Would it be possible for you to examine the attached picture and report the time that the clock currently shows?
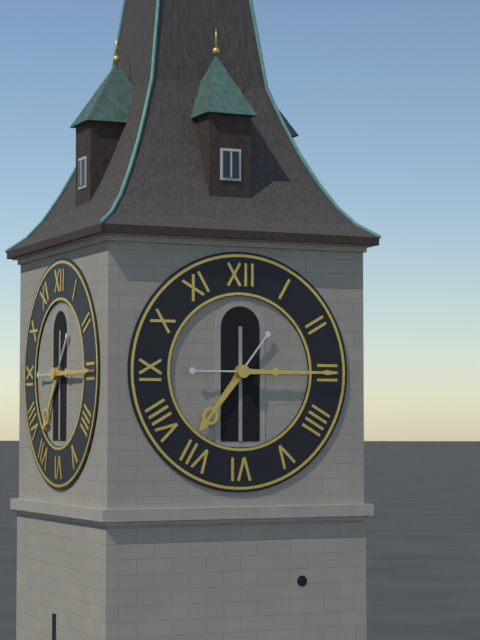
7:15
